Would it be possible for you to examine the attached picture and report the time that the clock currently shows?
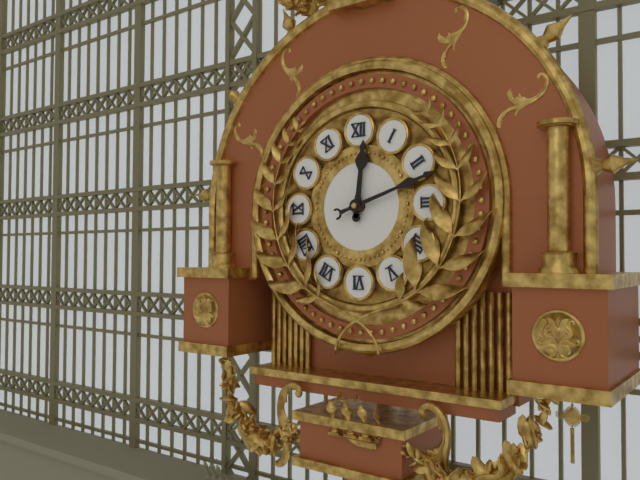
12:12
